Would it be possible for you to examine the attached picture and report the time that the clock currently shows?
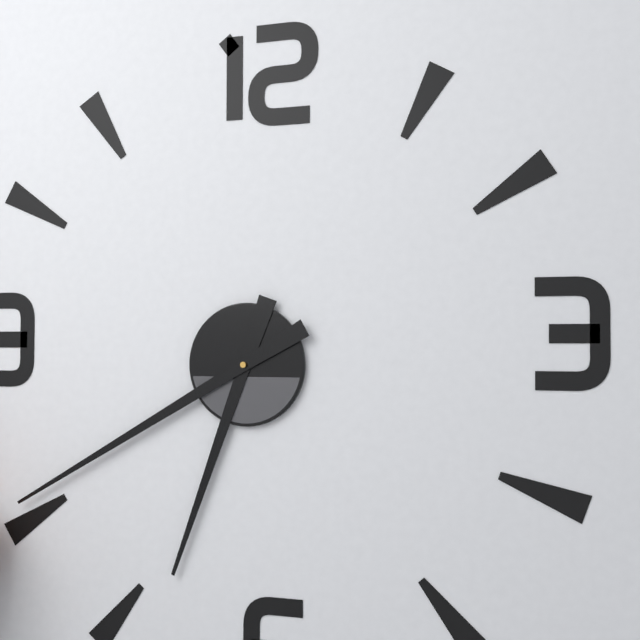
6:40
